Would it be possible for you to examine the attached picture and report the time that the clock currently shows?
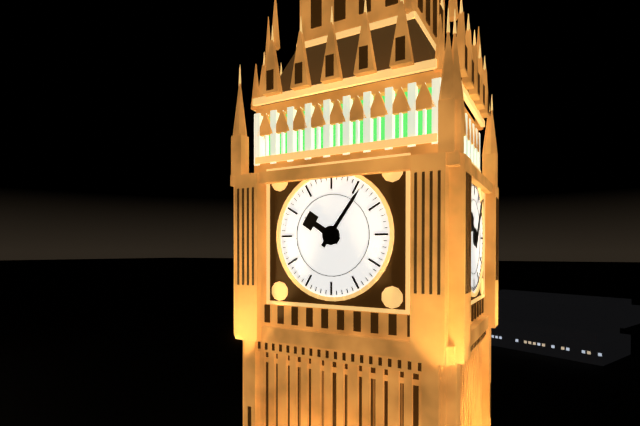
10:06
